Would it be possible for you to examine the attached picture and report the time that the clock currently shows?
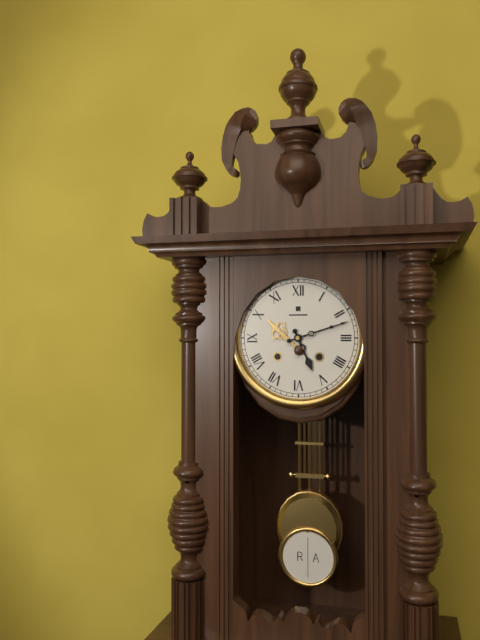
5:12
